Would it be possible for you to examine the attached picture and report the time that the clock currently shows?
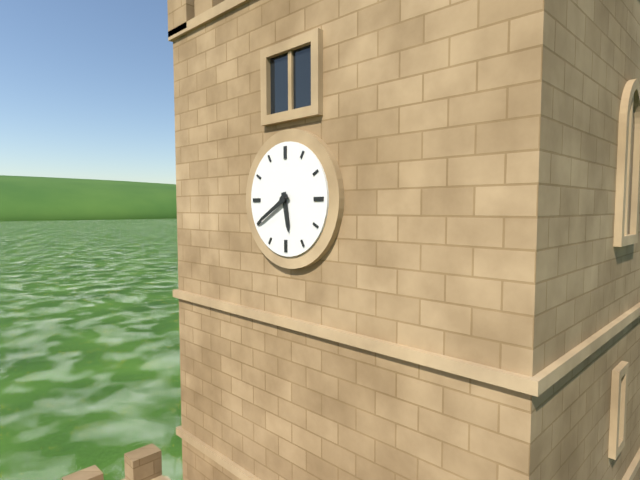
5:40
